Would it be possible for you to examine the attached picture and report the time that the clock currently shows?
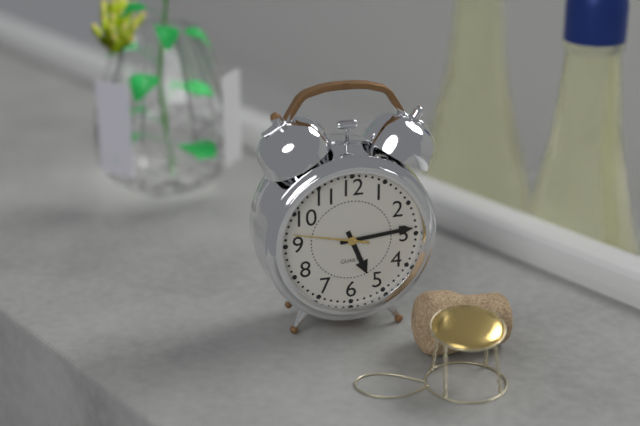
5:14:47
